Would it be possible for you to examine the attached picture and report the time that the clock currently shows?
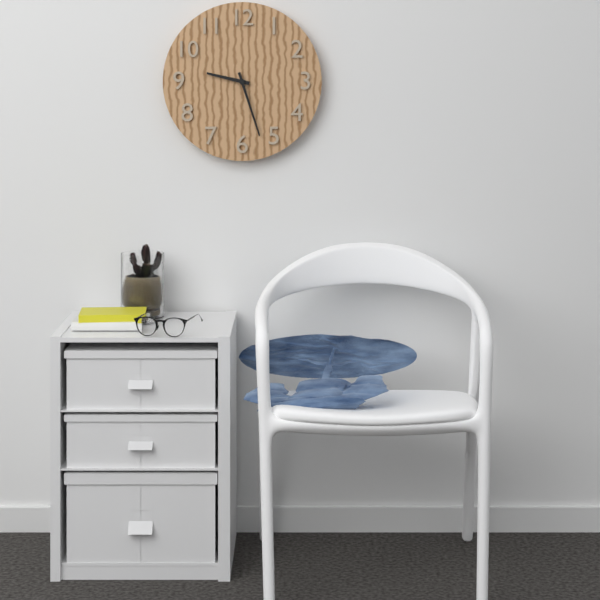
9:27
